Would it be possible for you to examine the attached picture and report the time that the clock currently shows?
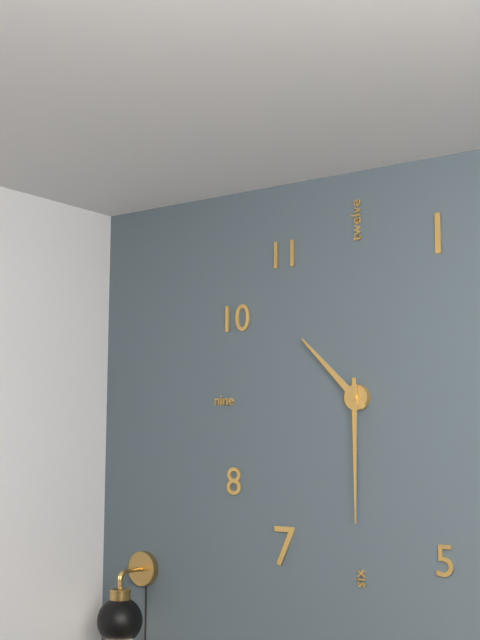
10:30
